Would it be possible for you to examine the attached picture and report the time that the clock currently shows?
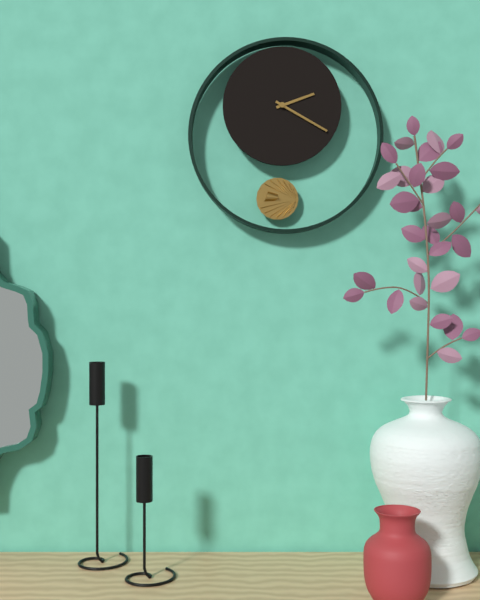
2:20
